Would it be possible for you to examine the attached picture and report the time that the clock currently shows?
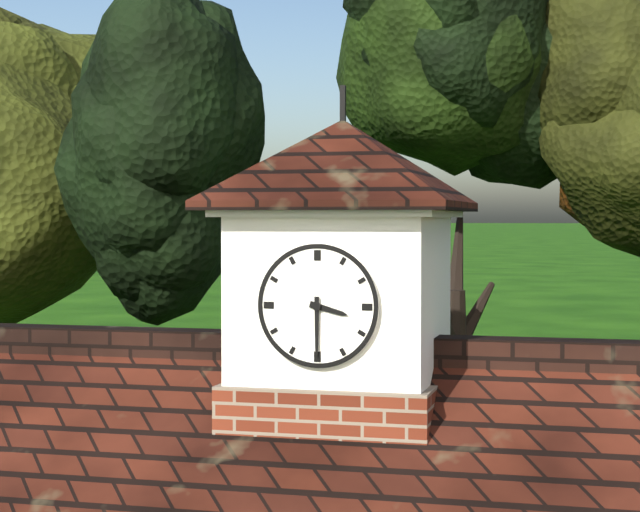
3:30
